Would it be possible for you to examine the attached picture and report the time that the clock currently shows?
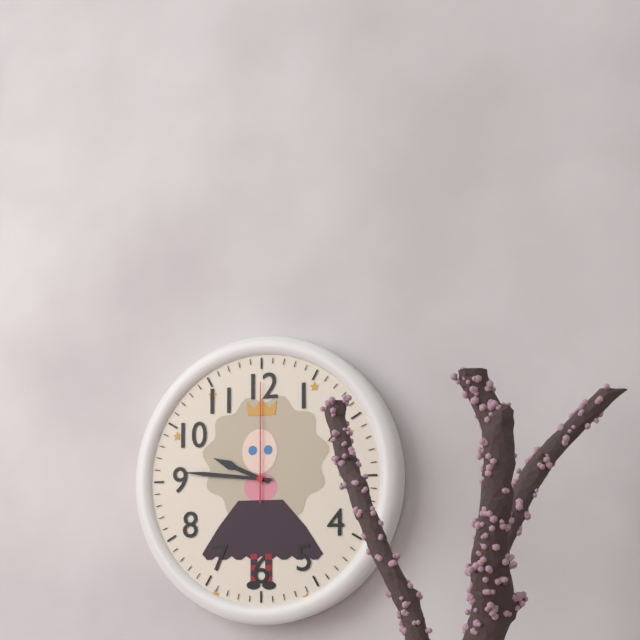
9:46:00
